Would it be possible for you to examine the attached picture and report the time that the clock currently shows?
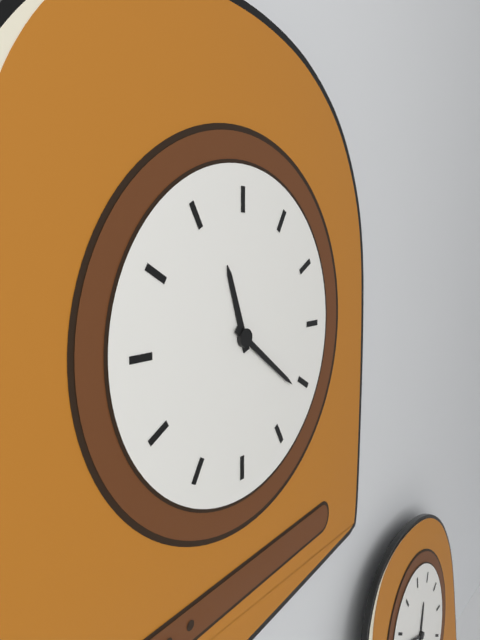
11:21
